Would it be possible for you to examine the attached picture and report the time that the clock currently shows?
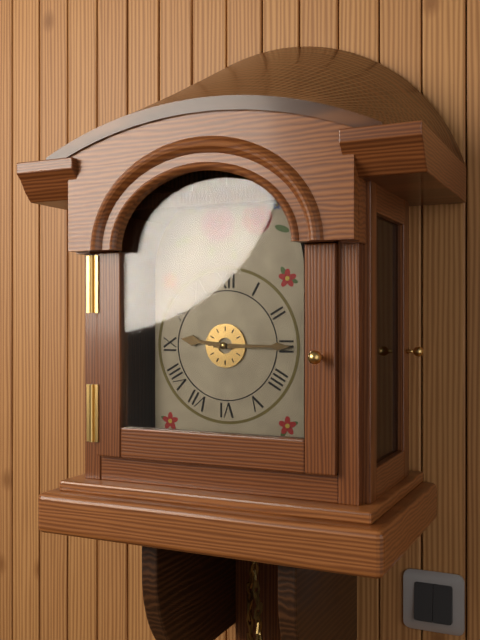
9:15
